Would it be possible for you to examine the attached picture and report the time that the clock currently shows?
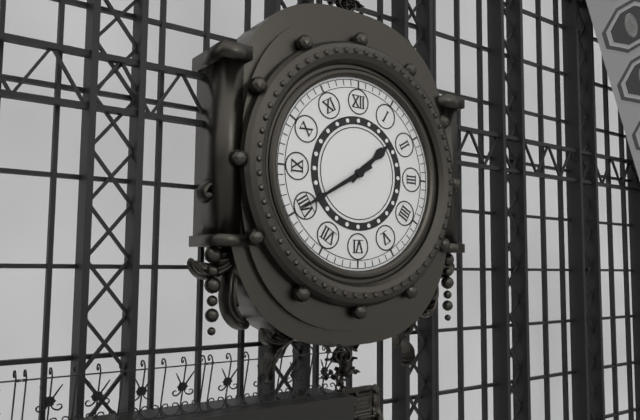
1:40
